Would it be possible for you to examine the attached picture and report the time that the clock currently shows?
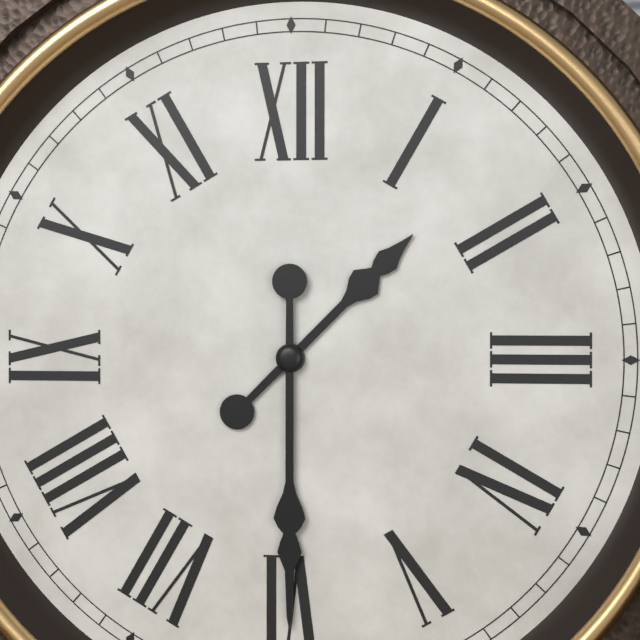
1:30
